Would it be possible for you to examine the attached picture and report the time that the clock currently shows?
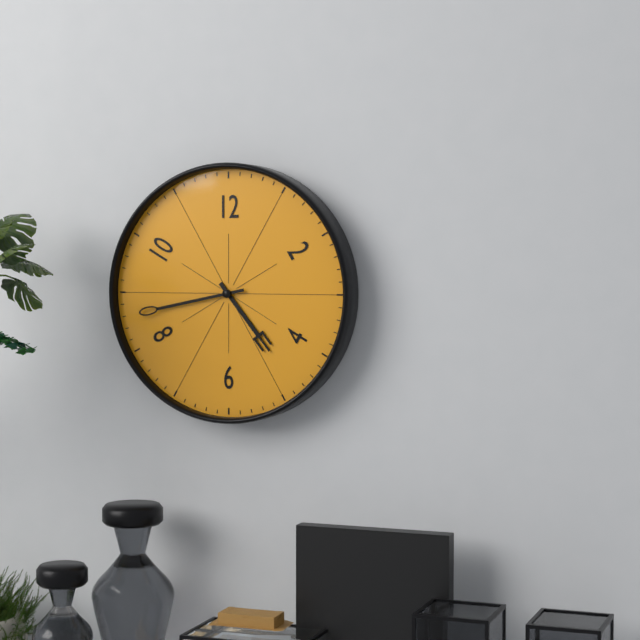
4:43
